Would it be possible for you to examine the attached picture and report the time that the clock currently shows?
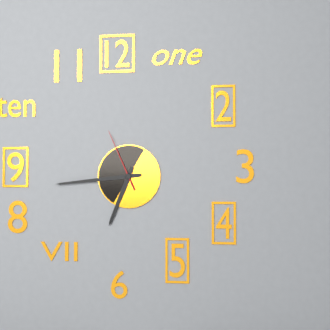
6:44:56
